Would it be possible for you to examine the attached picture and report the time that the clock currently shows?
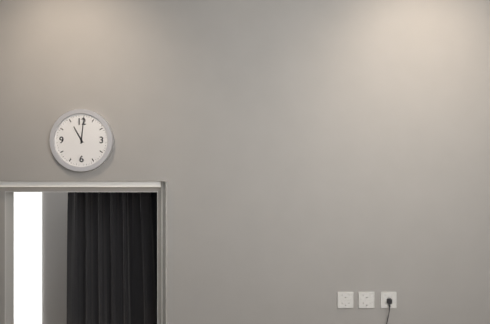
11:01
